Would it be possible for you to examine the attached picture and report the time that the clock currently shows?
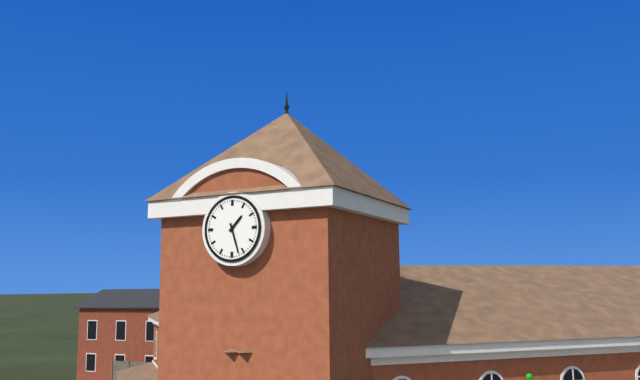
1:27
